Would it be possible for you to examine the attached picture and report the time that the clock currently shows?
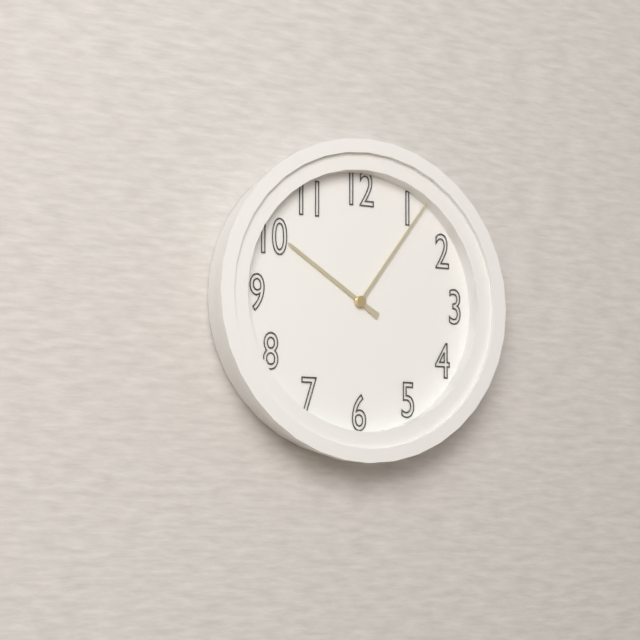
10:06
